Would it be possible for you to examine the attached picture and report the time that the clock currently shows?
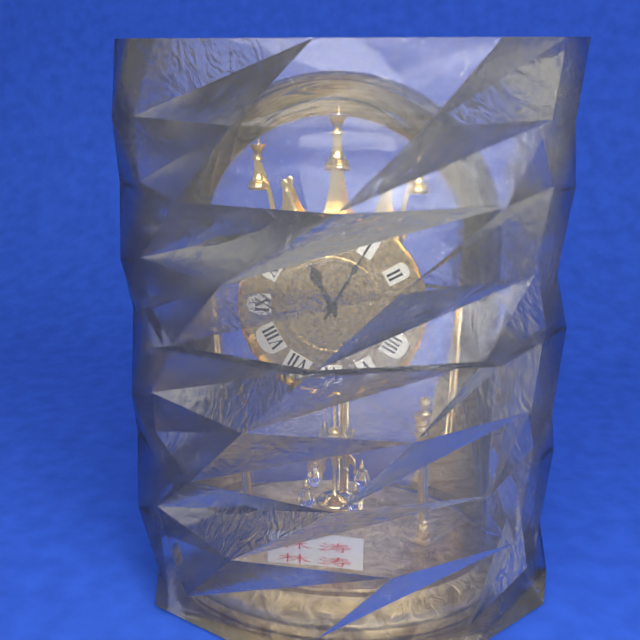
11:05
